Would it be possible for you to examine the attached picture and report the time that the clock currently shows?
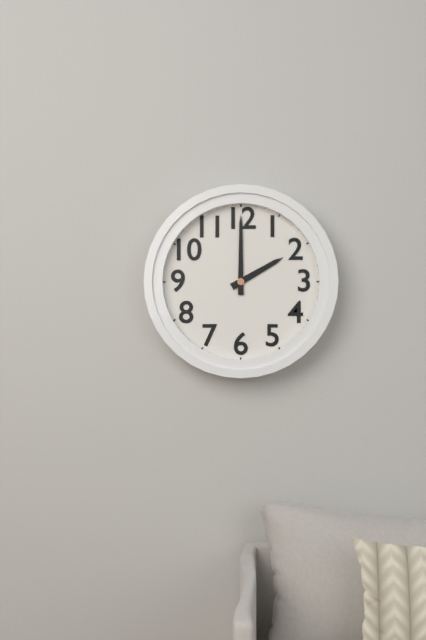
2:00
